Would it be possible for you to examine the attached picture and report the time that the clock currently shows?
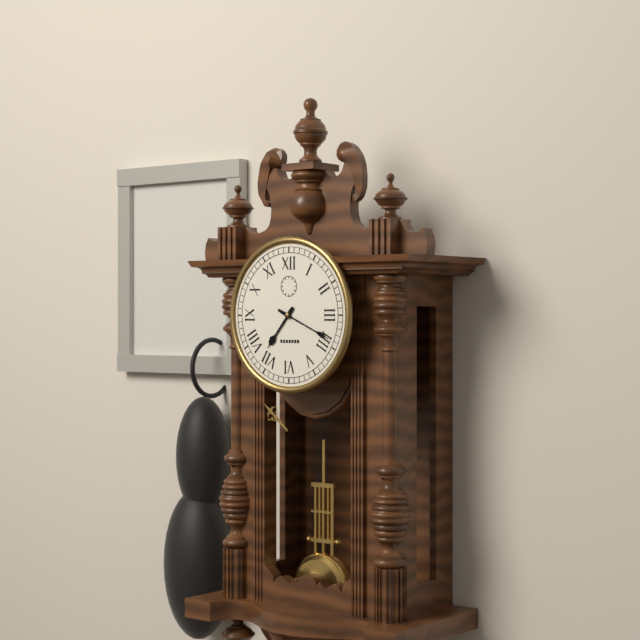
7:19
